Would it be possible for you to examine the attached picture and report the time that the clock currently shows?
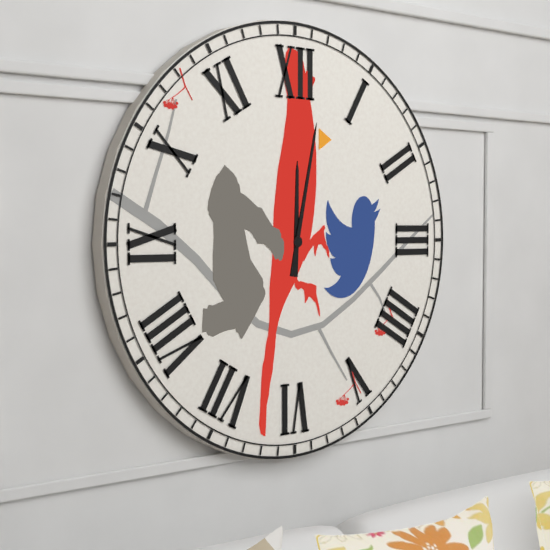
12:02
